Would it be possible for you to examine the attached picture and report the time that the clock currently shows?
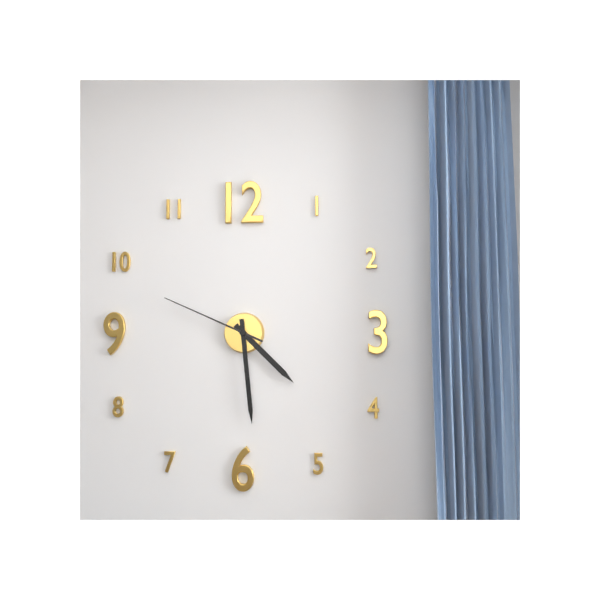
4:29:49
